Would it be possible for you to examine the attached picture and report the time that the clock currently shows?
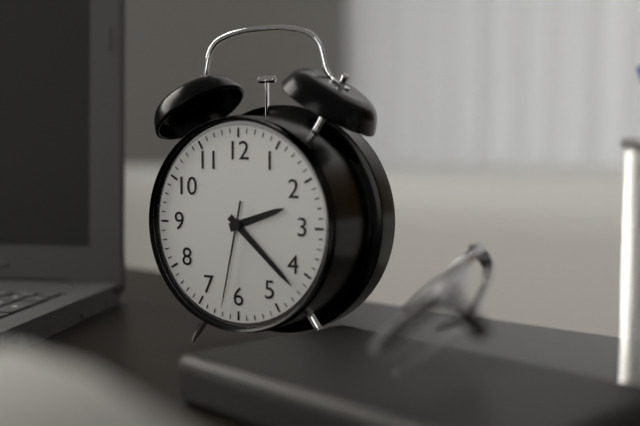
2:22:32
